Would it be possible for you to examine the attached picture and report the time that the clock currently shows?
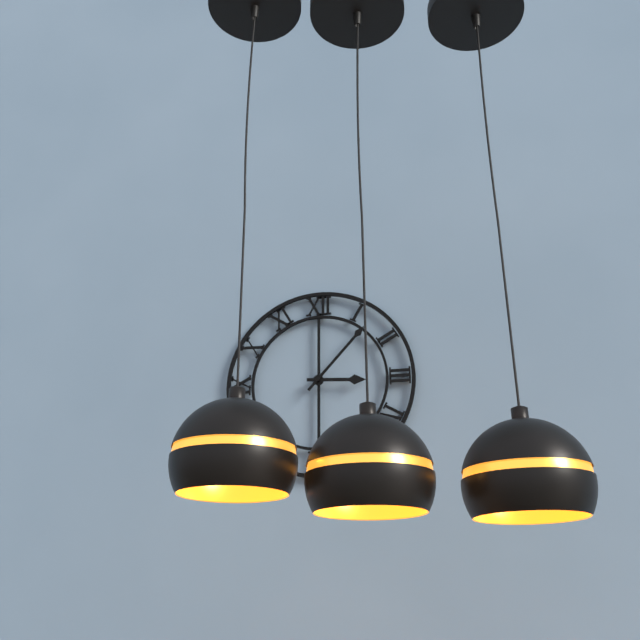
3:07
